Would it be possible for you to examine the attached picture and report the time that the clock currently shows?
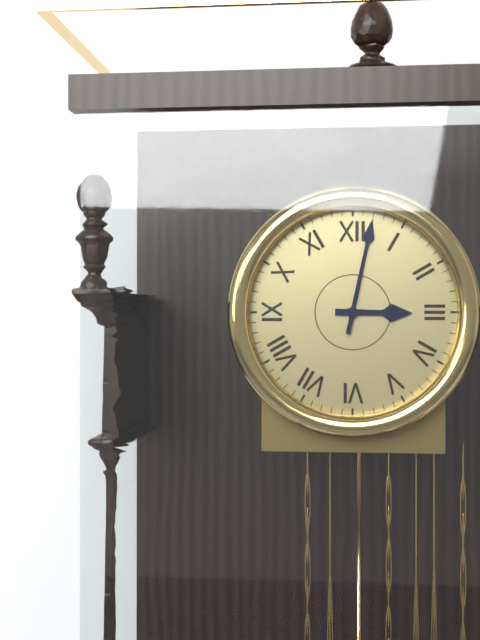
3:02
